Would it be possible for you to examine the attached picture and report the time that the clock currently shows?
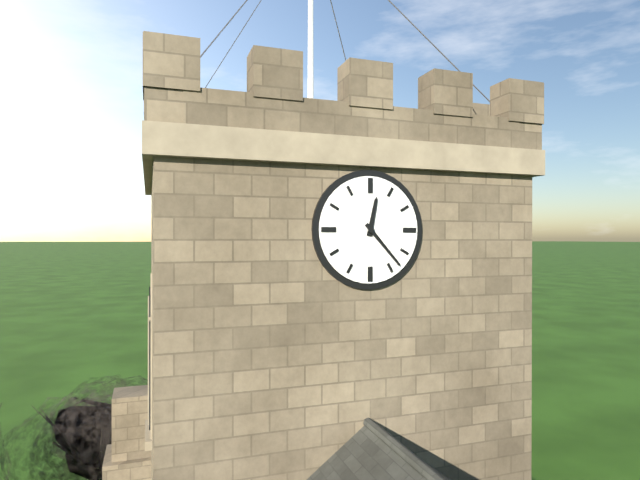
12:23
